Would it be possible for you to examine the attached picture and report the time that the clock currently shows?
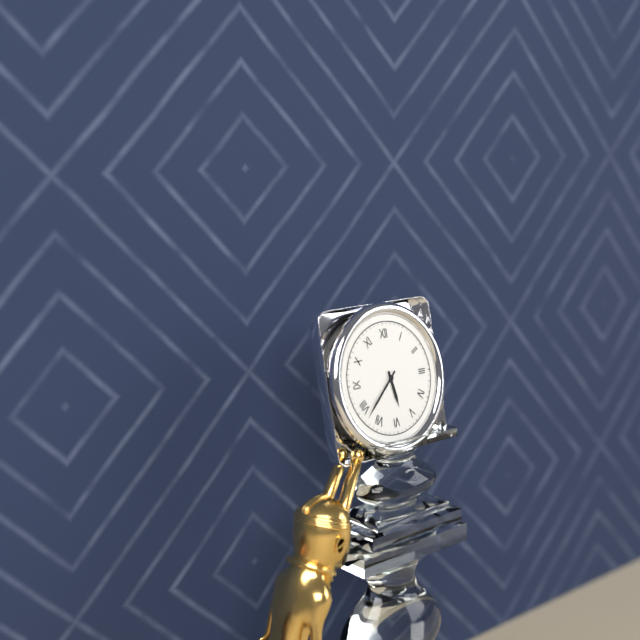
5:38
